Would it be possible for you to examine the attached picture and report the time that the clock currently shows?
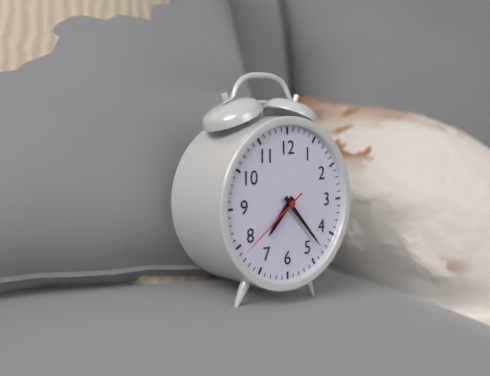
7:23:39
